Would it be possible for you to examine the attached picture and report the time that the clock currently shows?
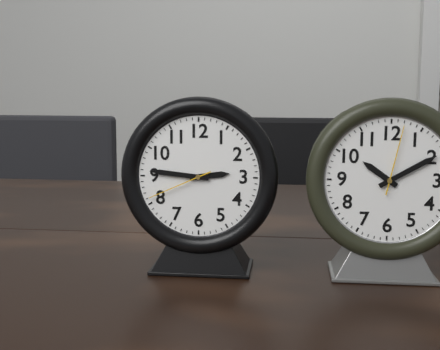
2:46:41
